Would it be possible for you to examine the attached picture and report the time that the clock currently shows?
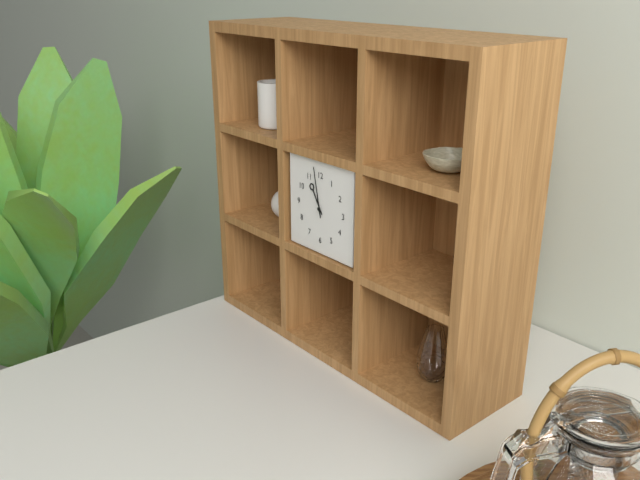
10:58
